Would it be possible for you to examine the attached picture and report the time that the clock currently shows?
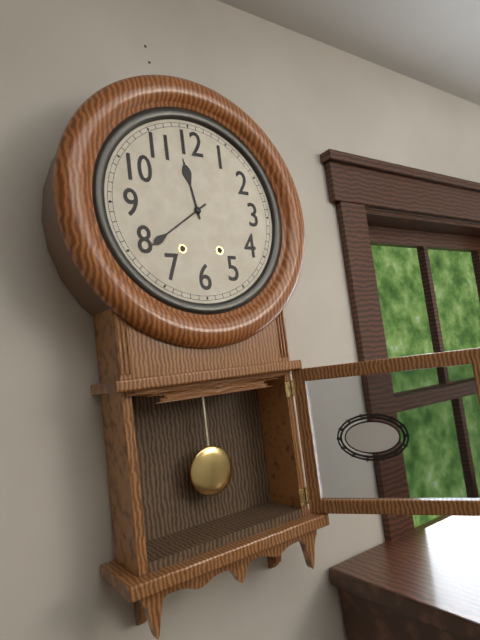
11:39
